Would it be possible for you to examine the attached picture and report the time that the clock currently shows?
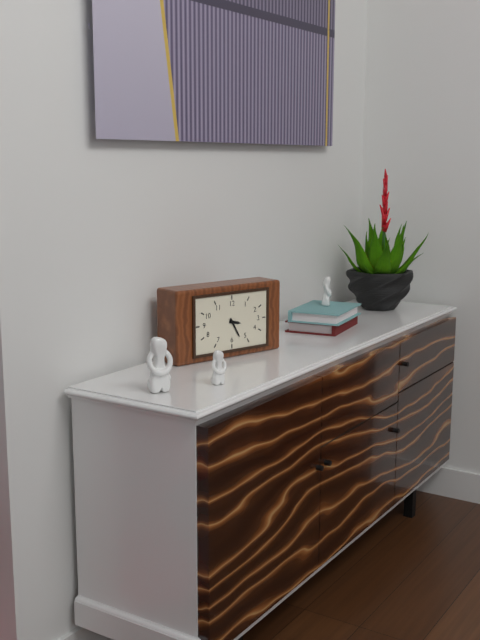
3:25
